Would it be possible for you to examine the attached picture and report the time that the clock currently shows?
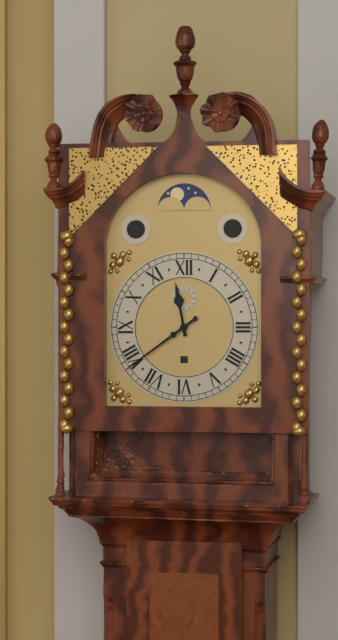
11:39
